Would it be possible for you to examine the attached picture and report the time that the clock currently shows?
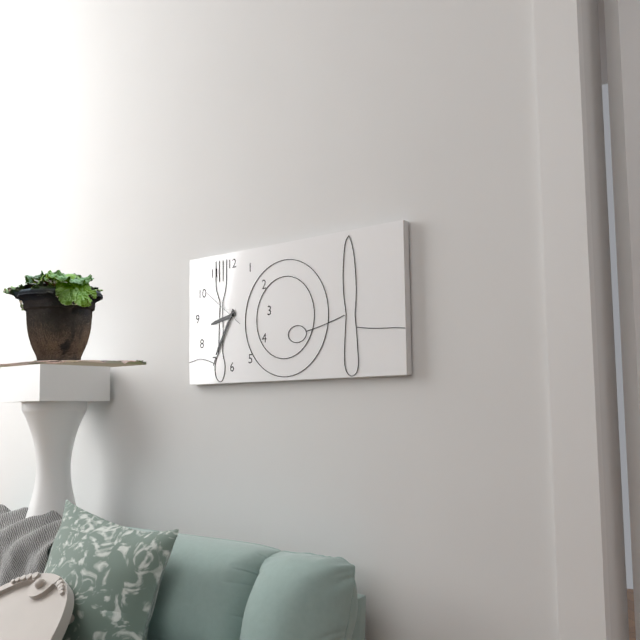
8:35
